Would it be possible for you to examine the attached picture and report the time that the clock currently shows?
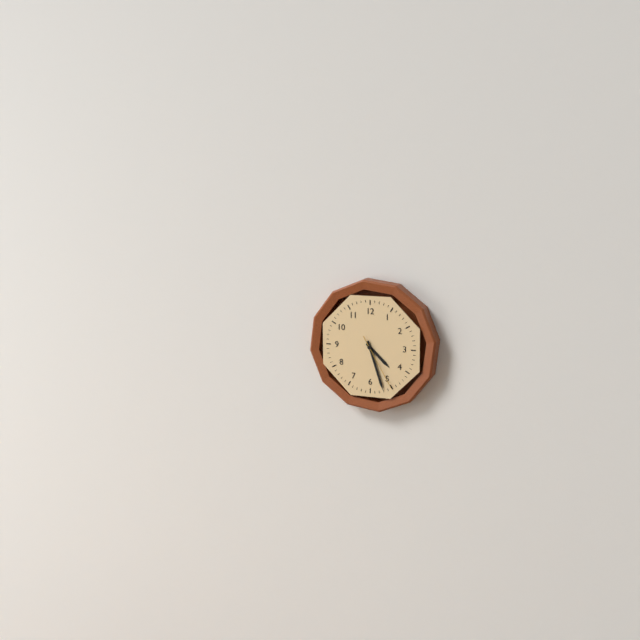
4:27:25
